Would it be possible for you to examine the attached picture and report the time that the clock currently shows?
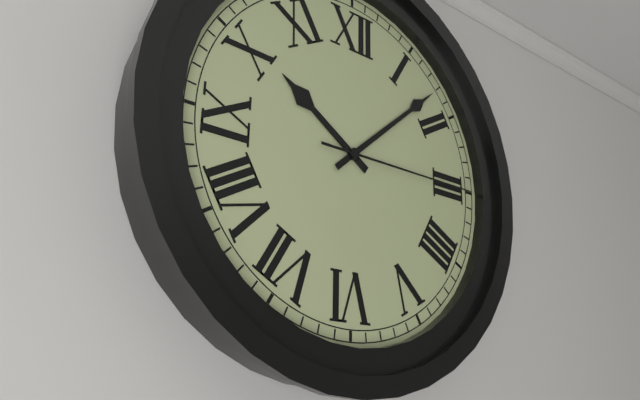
10:08:15
